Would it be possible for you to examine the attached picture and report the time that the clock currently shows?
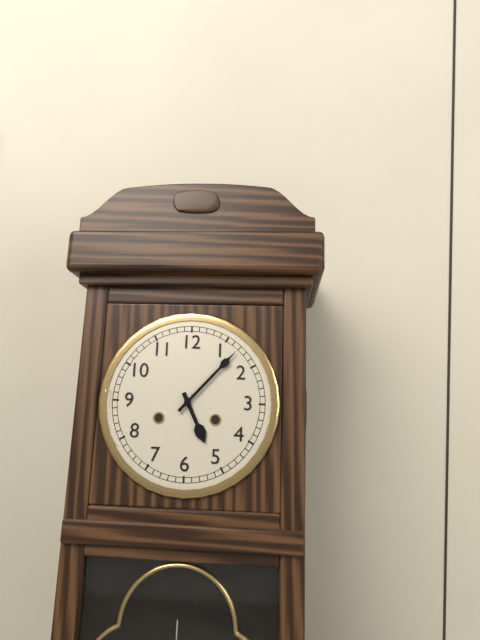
5:07
